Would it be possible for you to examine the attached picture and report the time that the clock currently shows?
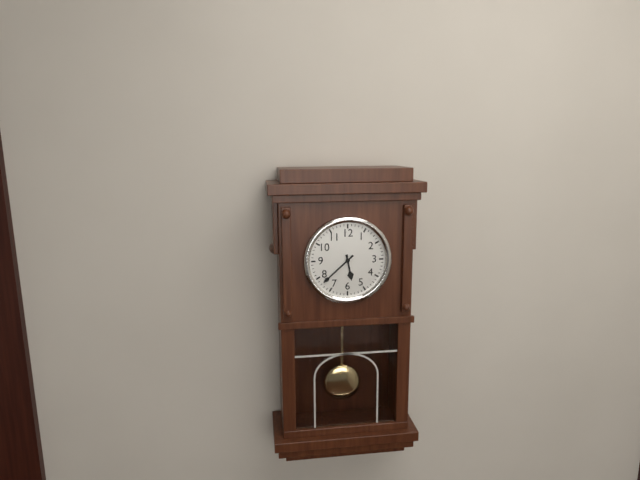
5:38
